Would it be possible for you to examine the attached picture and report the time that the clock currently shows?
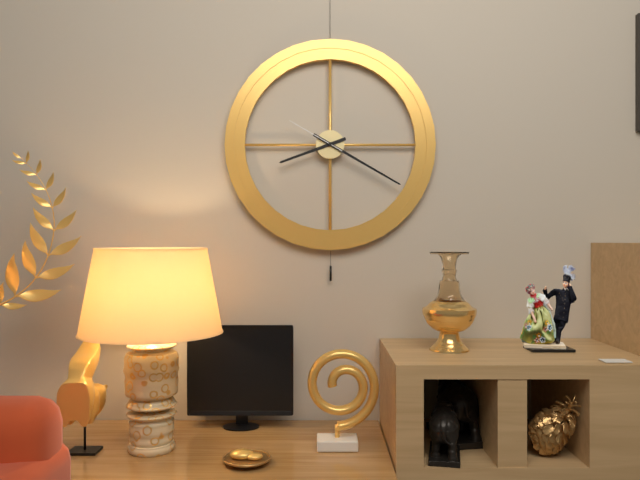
8:20:50
